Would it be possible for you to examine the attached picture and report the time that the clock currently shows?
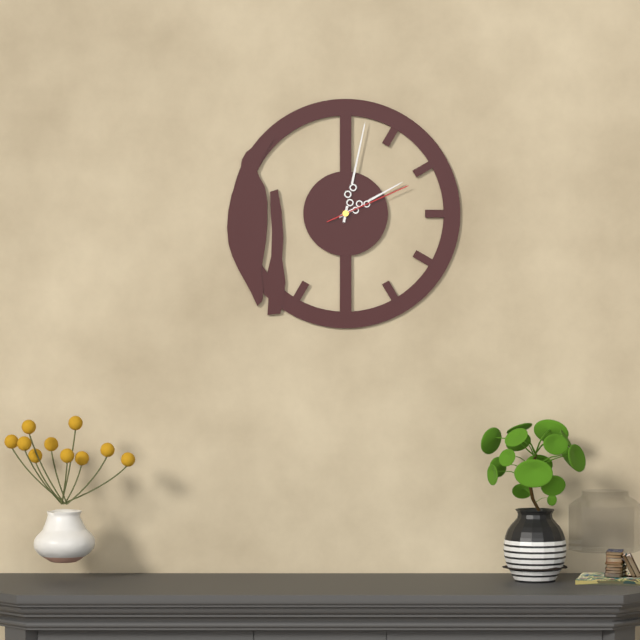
2:02:11
